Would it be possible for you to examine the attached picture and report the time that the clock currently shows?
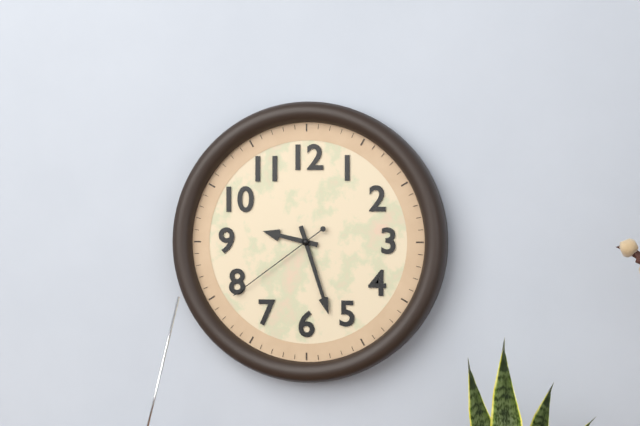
9:27:39
